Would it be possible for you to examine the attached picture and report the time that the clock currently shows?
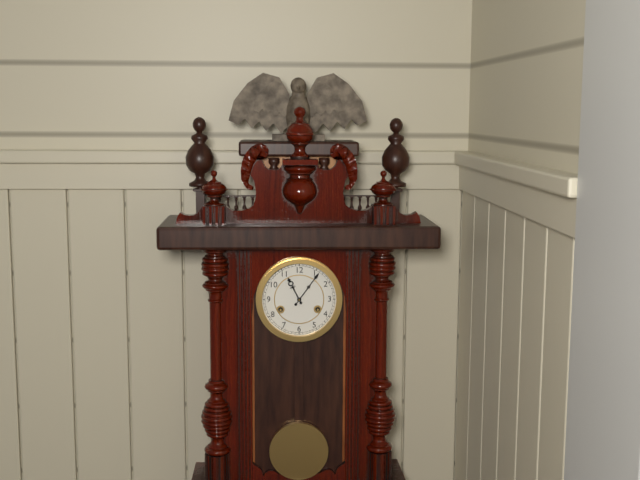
11:06
